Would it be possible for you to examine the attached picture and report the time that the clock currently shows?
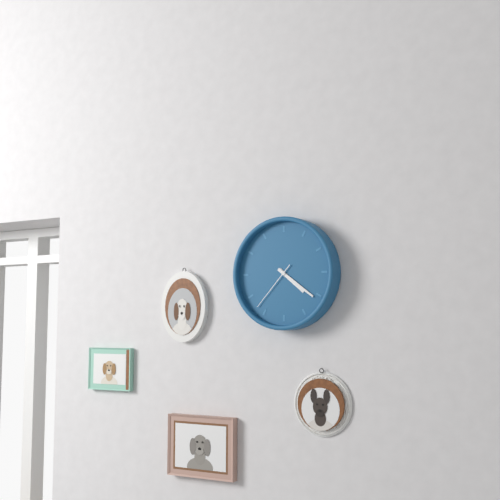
4:21:37
